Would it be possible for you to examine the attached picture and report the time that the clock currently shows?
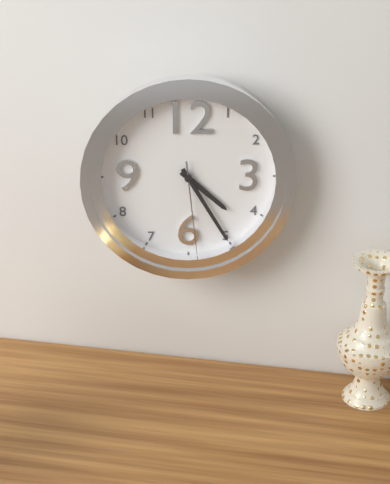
4:25:29
